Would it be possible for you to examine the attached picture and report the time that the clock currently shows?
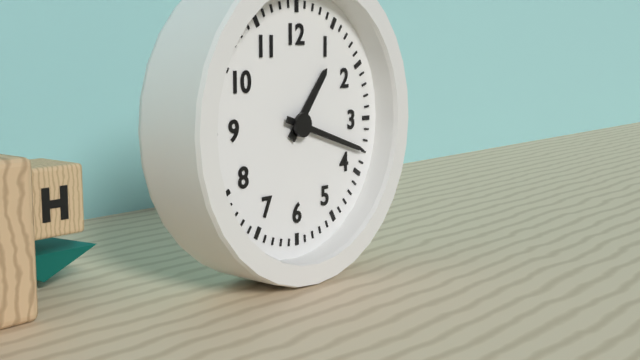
1:18
